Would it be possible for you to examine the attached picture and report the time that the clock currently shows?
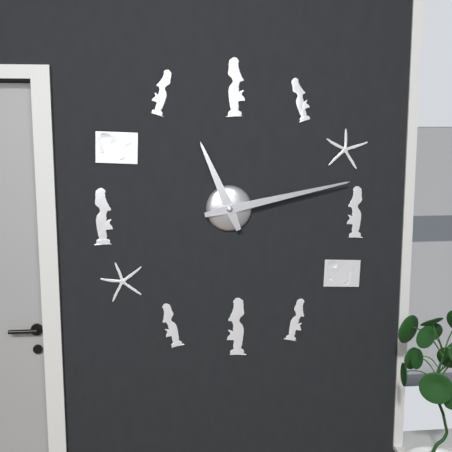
11:13
